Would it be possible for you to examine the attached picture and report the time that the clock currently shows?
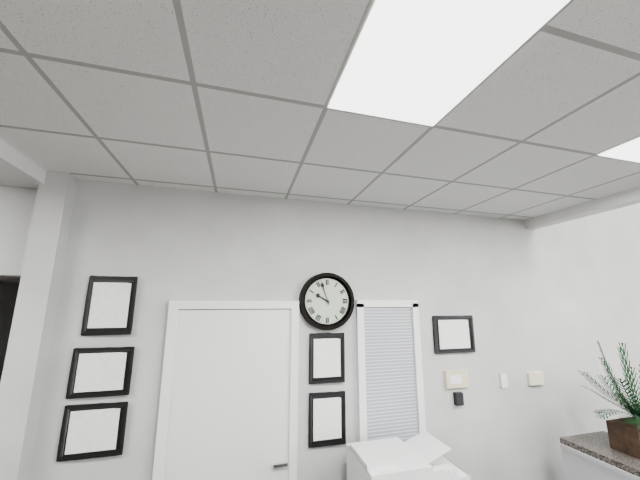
9:57
